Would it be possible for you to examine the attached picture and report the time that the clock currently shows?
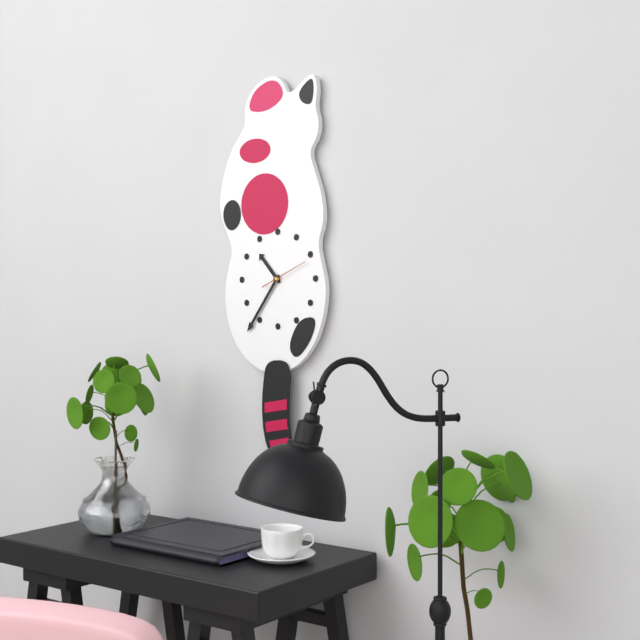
10:36
